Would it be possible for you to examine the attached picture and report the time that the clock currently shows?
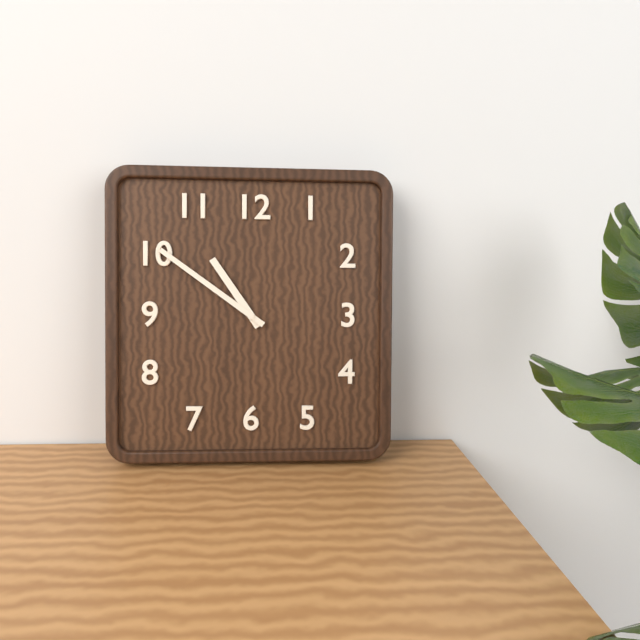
10:51
